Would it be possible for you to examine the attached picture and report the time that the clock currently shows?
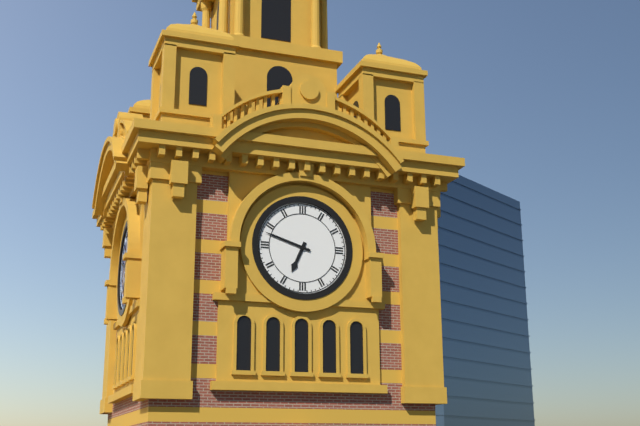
6:48
